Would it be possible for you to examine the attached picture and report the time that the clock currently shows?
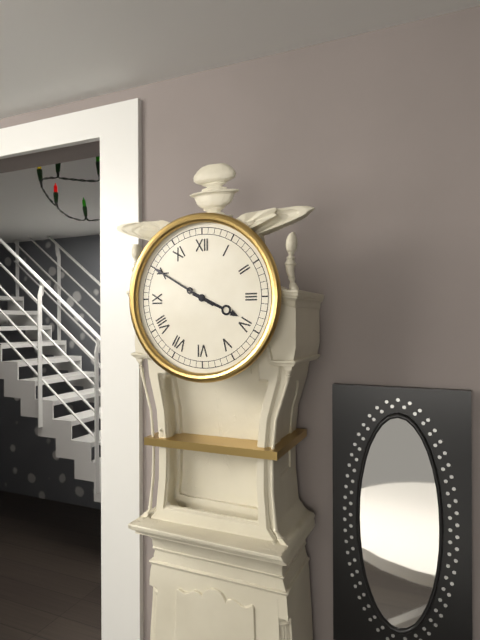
3:50
